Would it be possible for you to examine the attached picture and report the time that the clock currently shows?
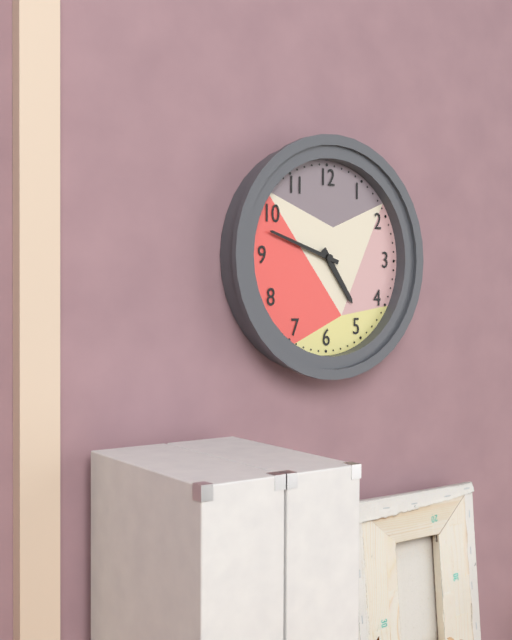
4:48
